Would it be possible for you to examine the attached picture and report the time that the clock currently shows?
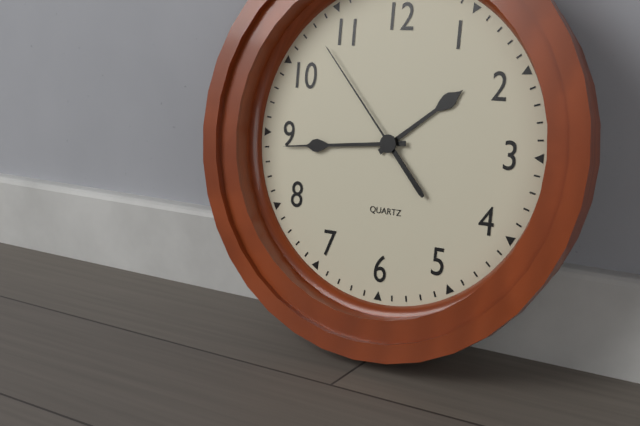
1:44:53
